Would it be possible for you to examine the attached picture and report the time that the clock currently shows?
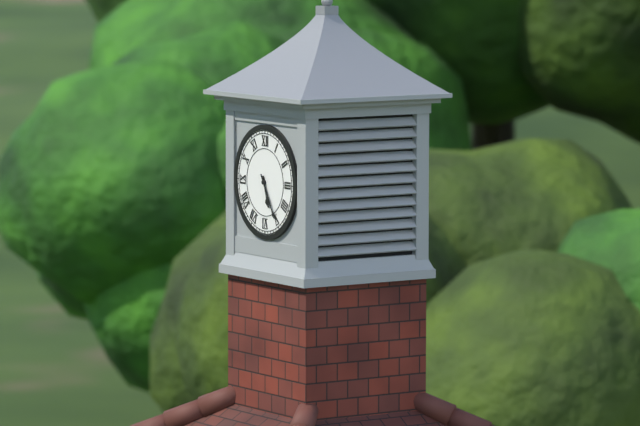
5:25
